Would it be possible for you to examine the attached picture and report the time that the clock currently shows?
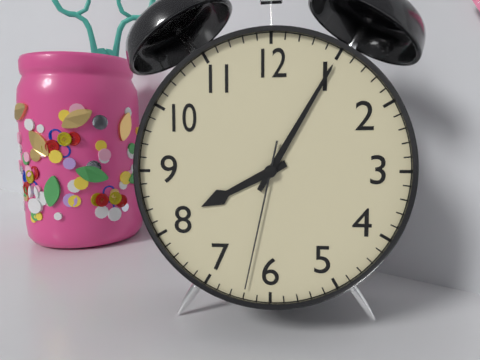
8:05:32
